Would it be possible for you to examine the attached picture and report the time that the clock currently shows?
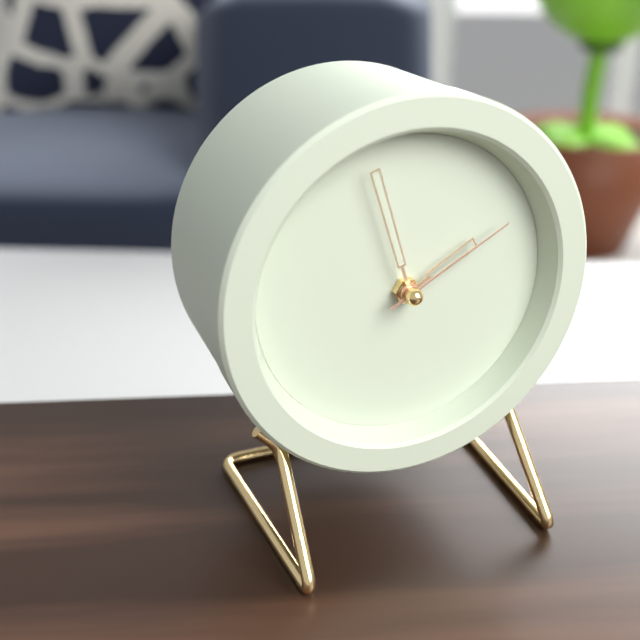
1:57:10
